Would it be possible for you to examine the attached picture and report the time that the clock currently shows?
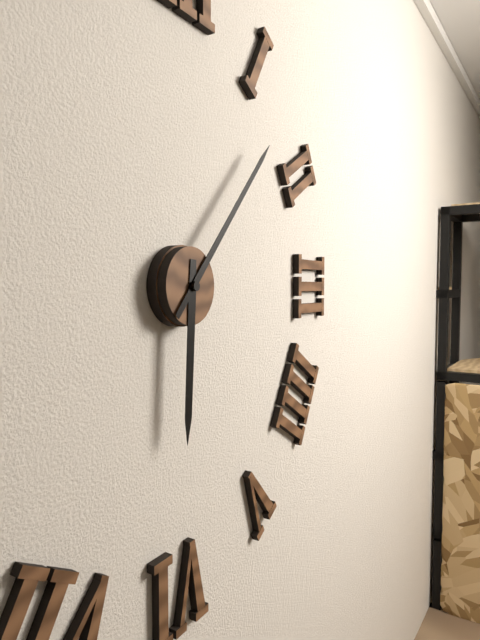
6:07
